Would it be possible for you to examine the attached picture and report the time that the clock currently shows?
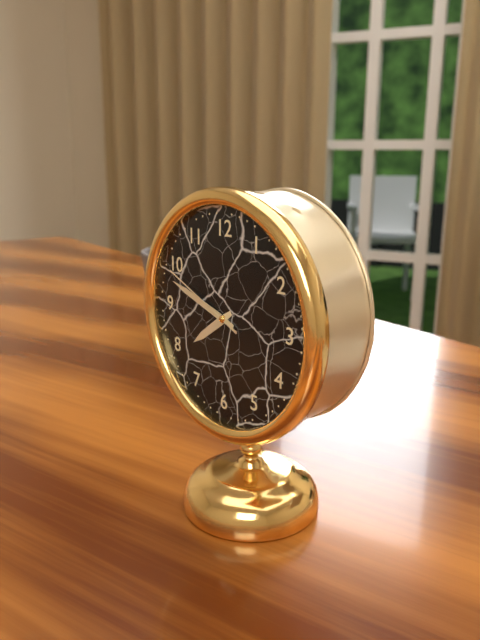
7:48:49
